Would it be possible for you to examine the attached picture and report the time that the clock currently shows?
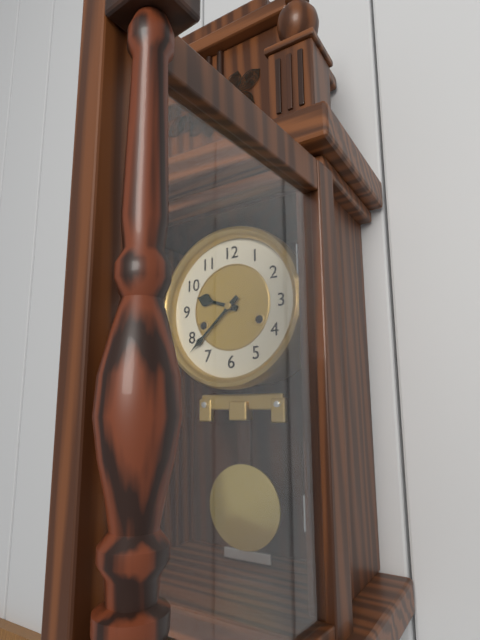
9:38
